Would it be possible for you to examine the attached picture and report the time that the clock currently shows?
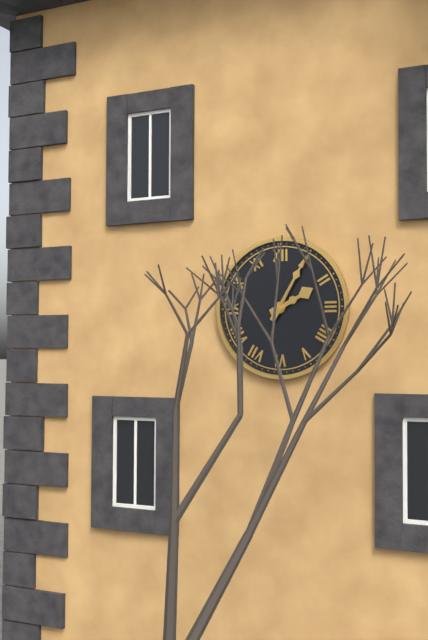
2:05
